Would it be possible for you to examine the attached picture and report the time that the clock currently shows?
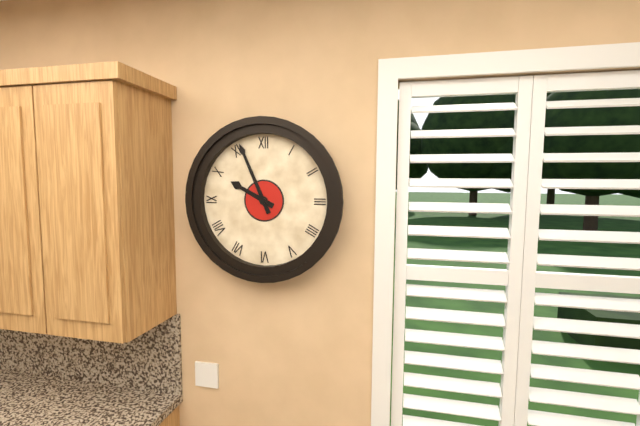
9:56
